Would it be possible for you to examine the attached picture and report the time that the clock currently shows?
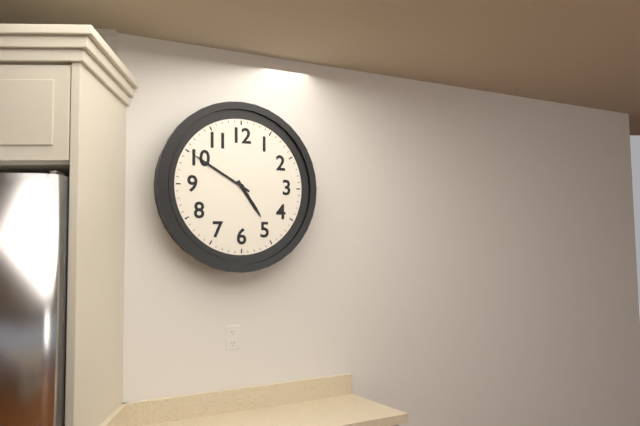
4:50
